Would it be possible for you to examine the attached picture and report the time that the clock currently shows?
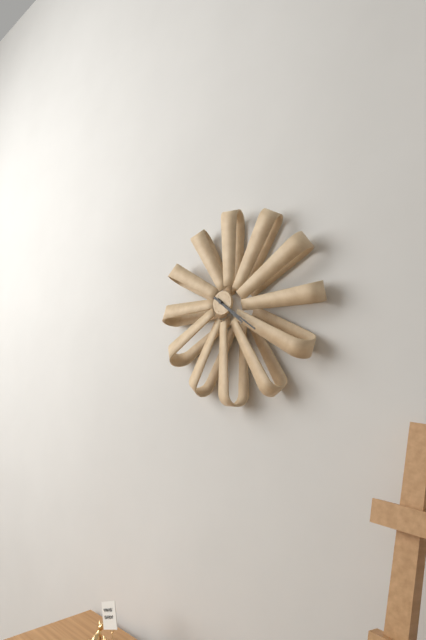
4:21
